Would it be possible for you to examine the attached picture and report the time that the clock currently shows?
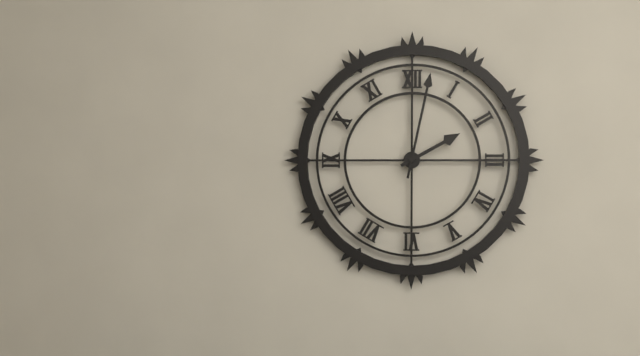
2:02
